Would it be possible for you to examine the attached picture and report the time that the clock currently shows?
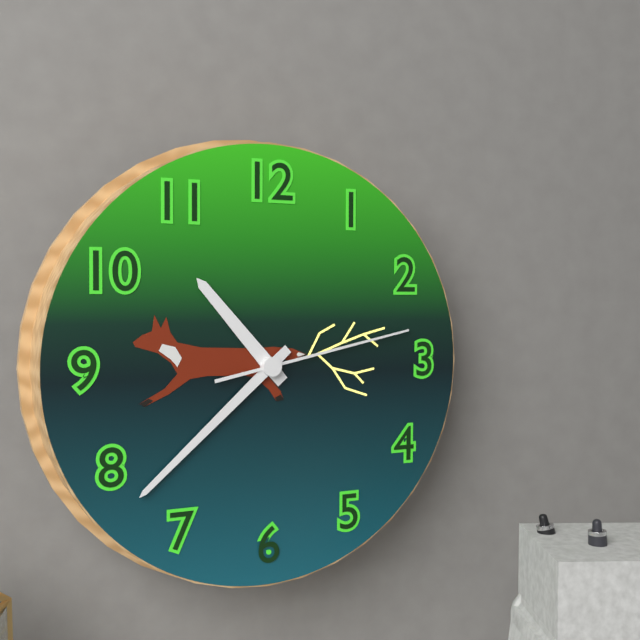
10:38:13
